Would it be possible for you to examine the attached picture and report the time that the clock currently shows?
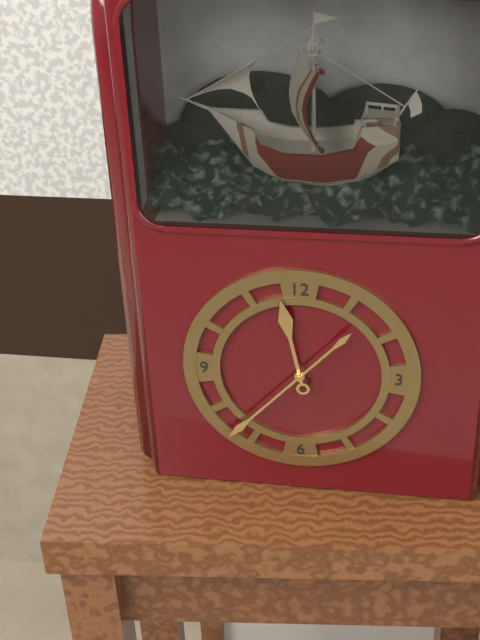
11:37
